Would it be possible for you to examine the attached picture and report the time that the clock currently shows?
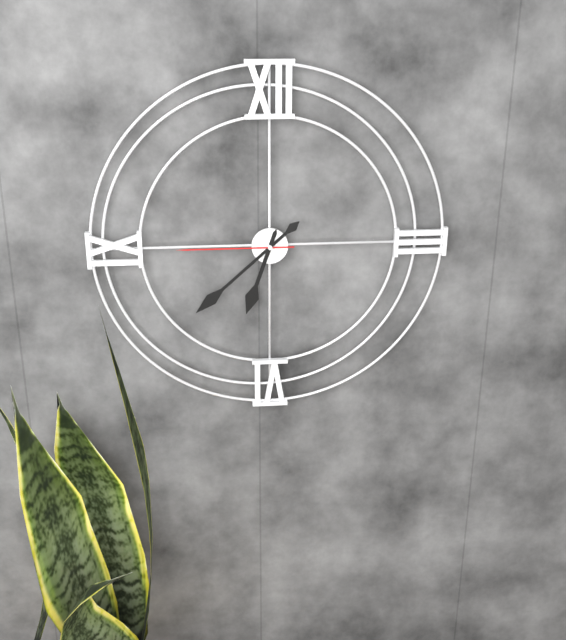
6:38:45
